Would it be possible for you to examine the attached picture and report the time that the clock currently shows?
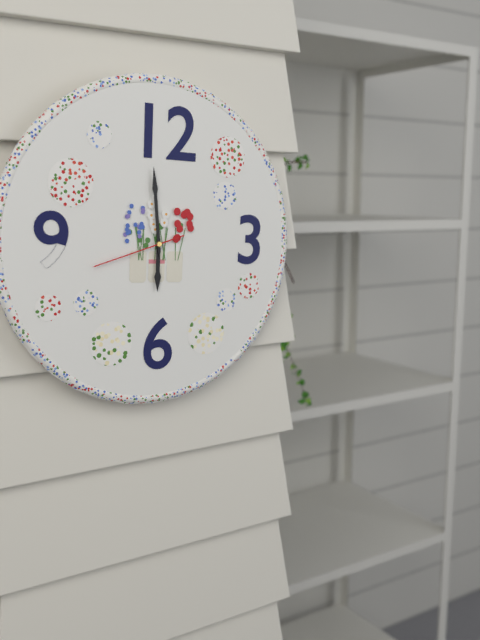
5:59:42
